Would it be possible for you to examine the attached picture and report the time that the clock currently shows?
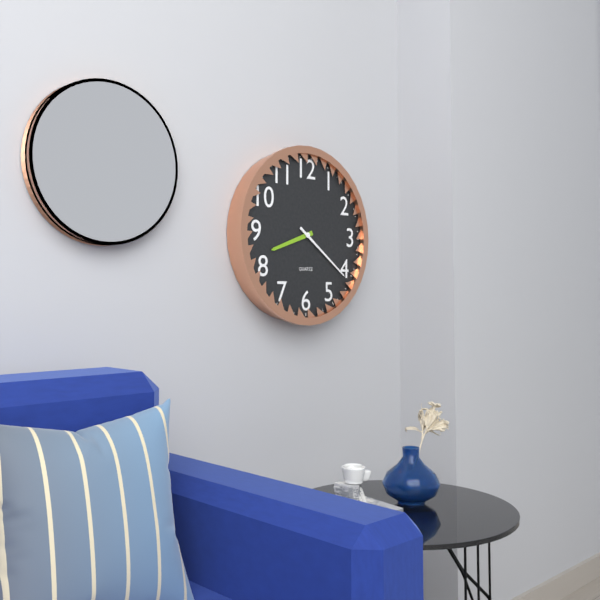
8:21
